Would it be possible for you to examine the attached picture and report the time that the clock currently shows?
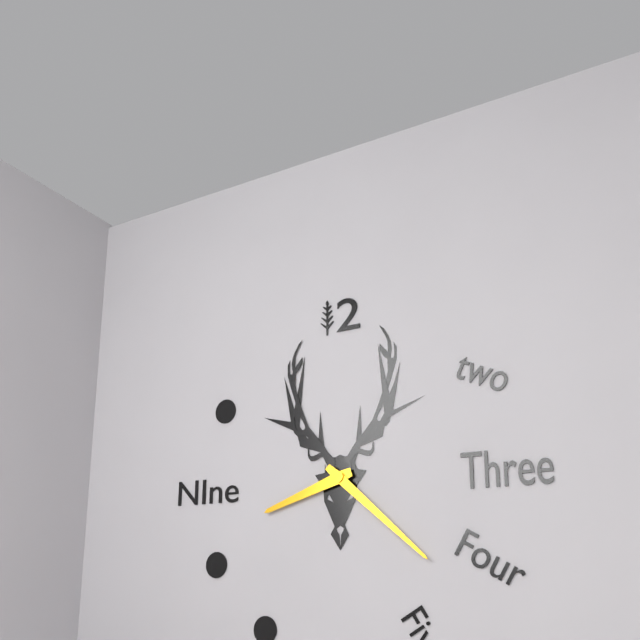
8:22
